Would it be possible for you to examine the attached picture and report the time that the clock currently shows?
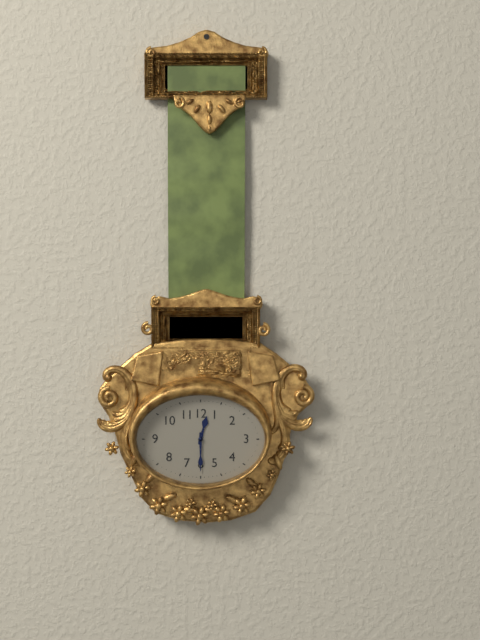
12:30
